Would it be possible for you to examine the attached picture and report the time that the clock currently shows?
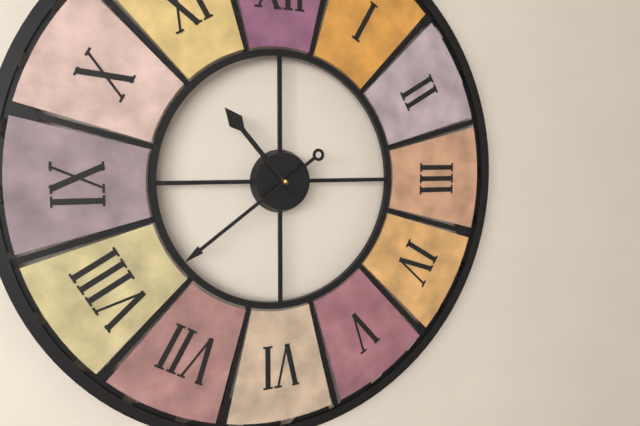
10:39
